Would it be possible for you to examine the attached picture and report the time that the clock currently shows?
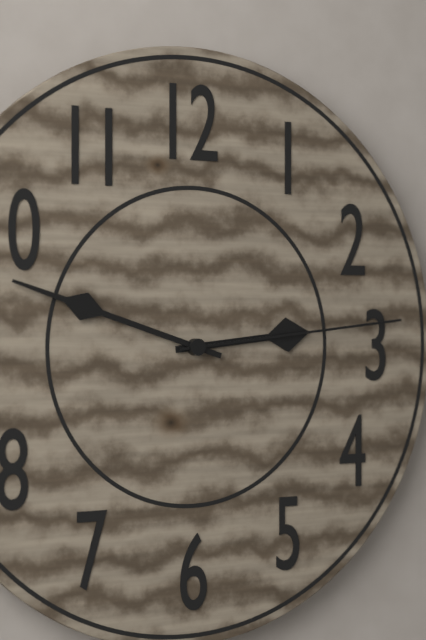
2:48:14
